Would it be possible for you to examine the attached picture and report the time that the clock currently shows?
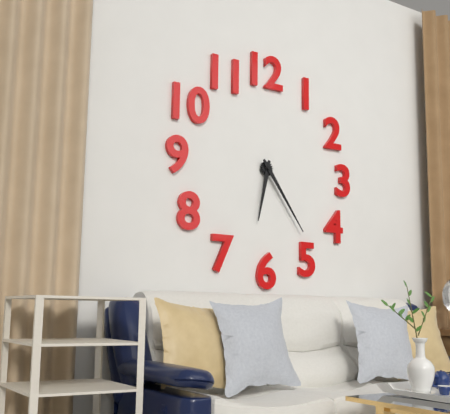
6:24
